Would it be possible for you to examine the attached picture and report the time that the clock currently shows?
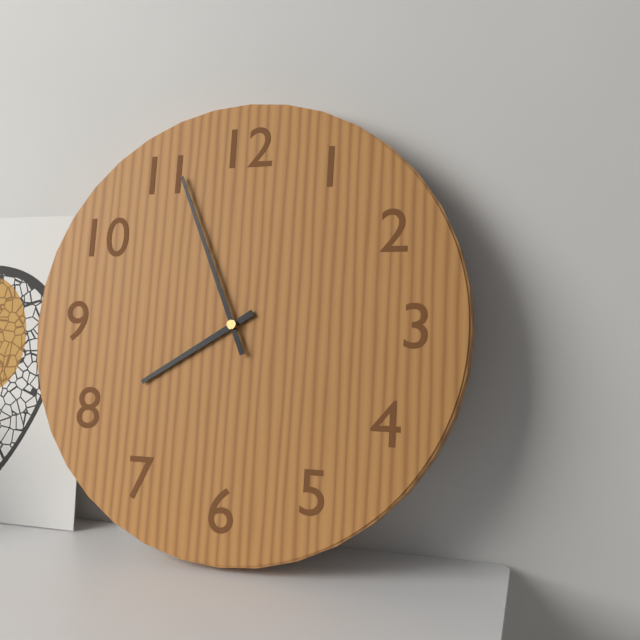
7:56
